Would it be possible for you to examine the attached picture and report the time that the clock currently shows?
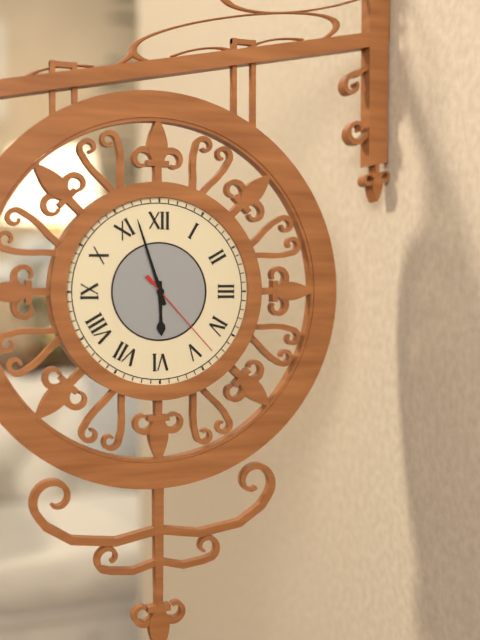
5:57:23
